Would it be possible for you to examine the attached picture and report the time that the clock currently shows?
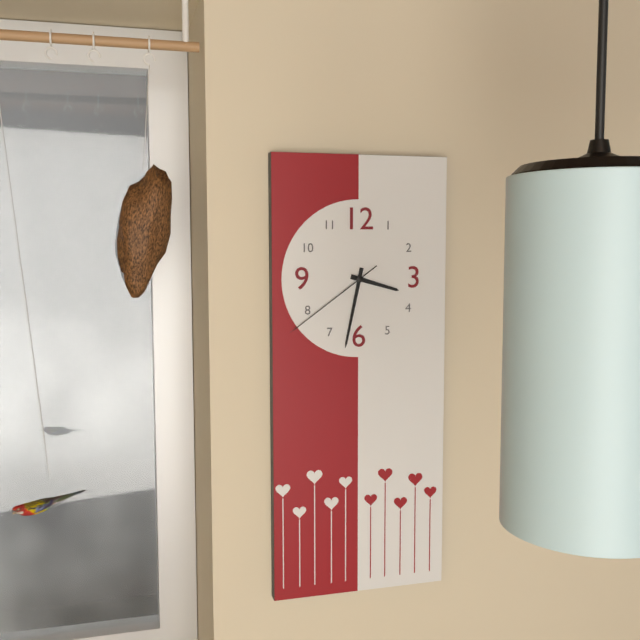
3:32:39
